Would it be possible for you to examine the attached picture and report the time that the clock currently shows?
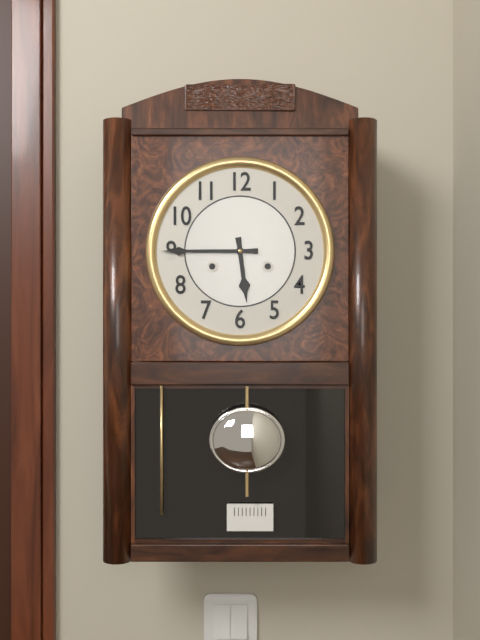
5:45
